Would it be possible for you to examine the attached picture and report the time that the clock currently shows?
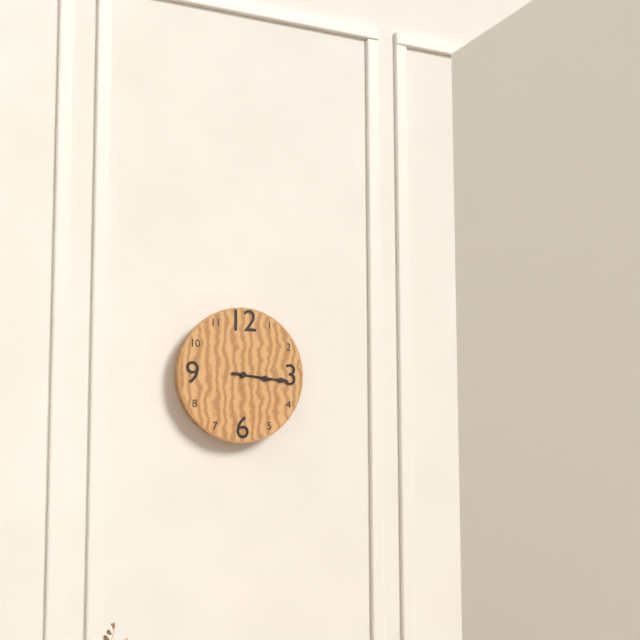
3:16
